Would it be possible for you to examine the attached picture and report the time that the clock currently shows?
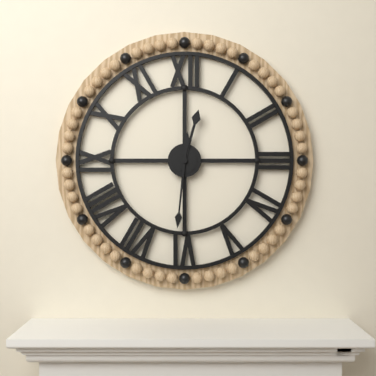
12:31
